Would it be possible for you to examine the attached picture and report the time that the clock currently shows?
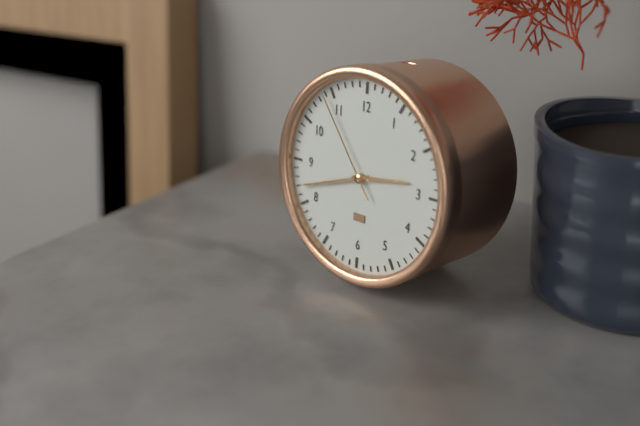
2:42:54
